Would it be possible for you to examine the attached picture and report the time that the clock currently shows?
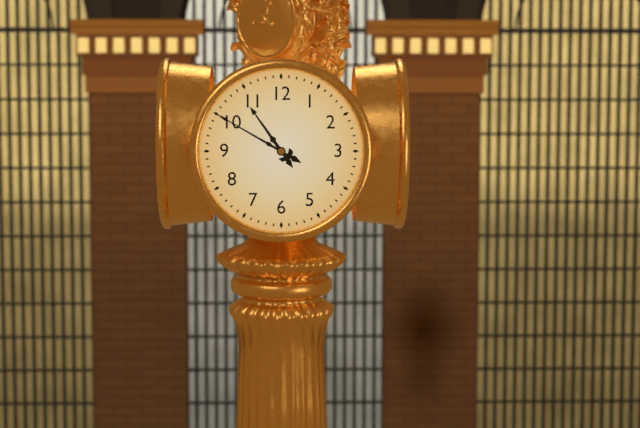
10:50
